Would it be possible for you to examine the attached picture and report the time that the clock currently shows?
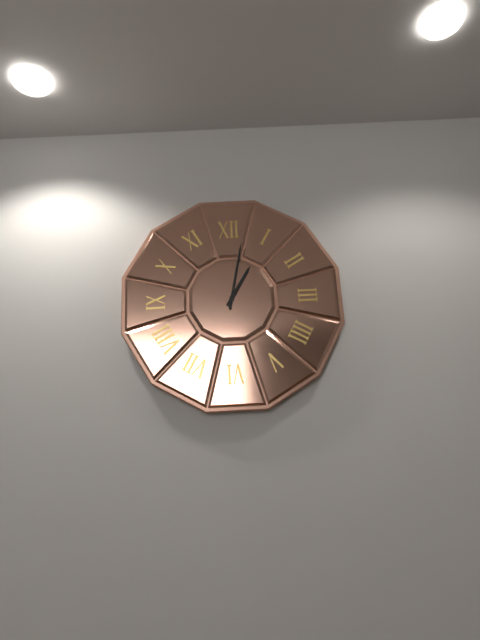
1:02
